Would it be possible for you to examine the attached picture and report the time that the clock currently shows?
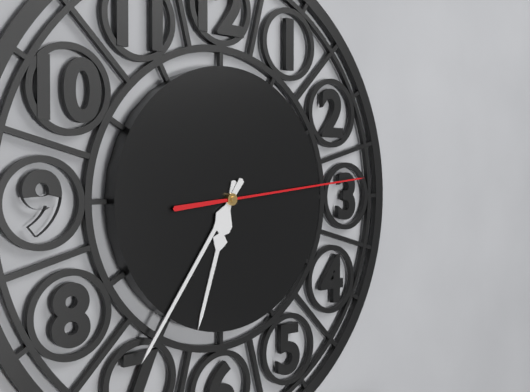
6:36:14
